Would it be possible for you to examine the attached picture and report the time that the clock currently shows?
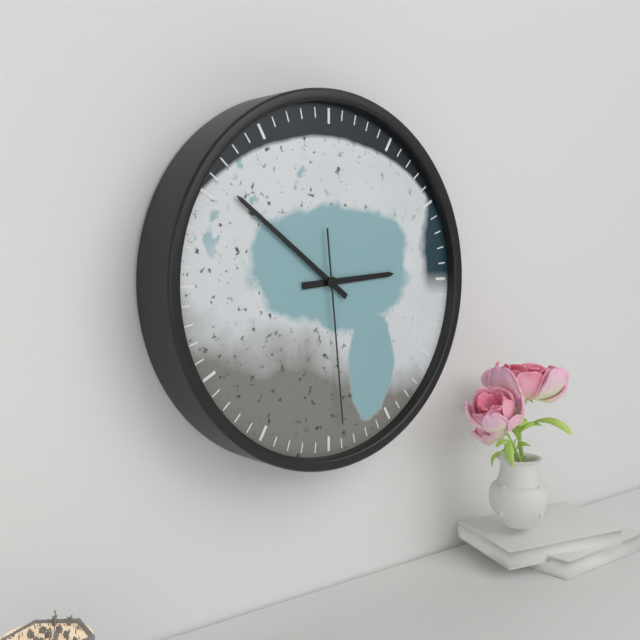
2:51:29
